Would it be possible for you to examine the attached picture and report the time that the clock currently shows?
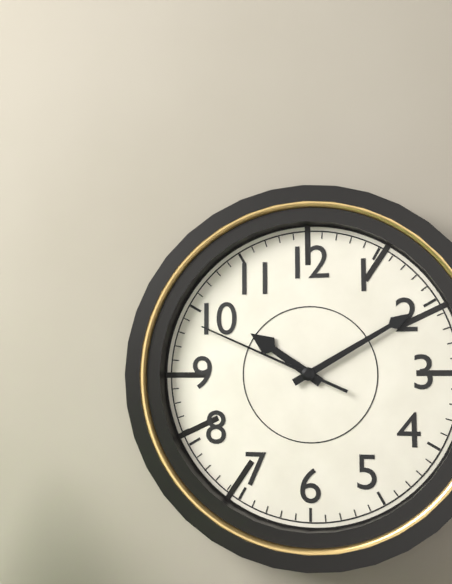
10:10:49
